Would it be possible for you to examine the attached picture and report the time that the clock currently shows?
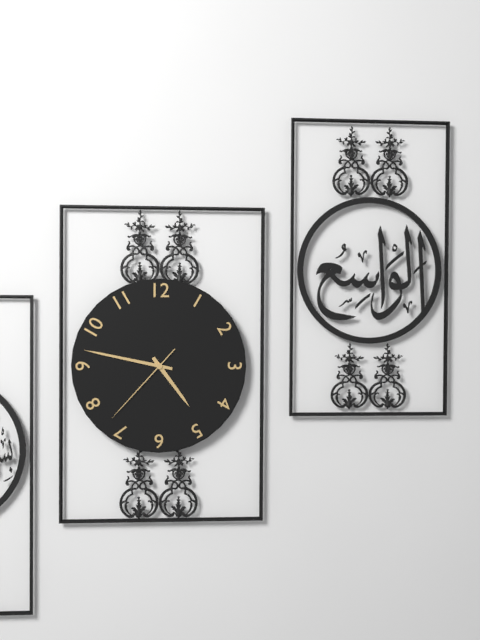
4:47:37
